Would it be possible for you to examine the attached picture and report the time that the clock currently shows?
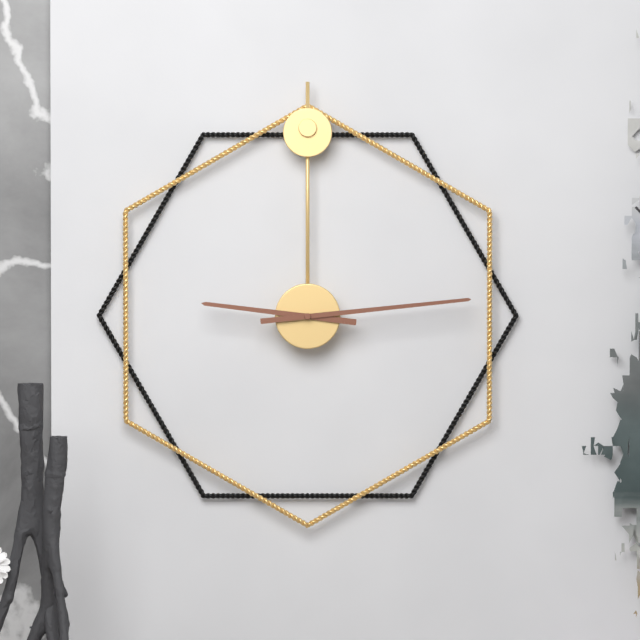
9:14
